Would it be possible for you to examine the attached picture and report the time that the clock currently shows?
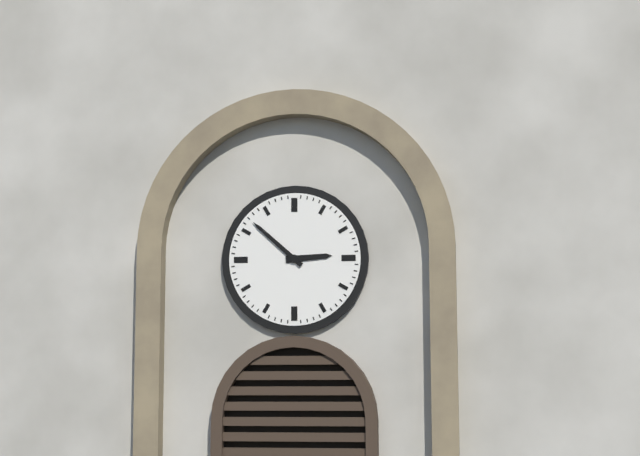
2:52
